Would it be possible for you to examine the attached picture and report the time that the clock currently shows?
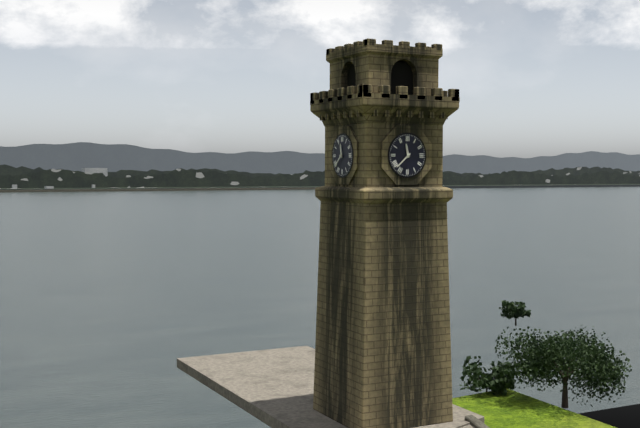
11:38
